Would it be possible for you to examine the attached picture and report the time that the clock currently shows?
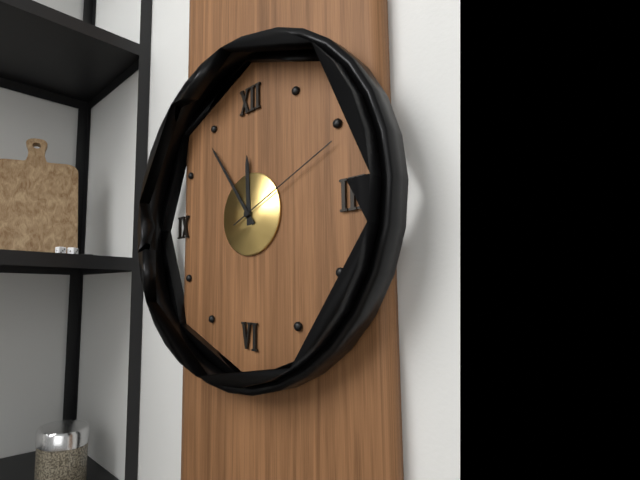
11:54:11
